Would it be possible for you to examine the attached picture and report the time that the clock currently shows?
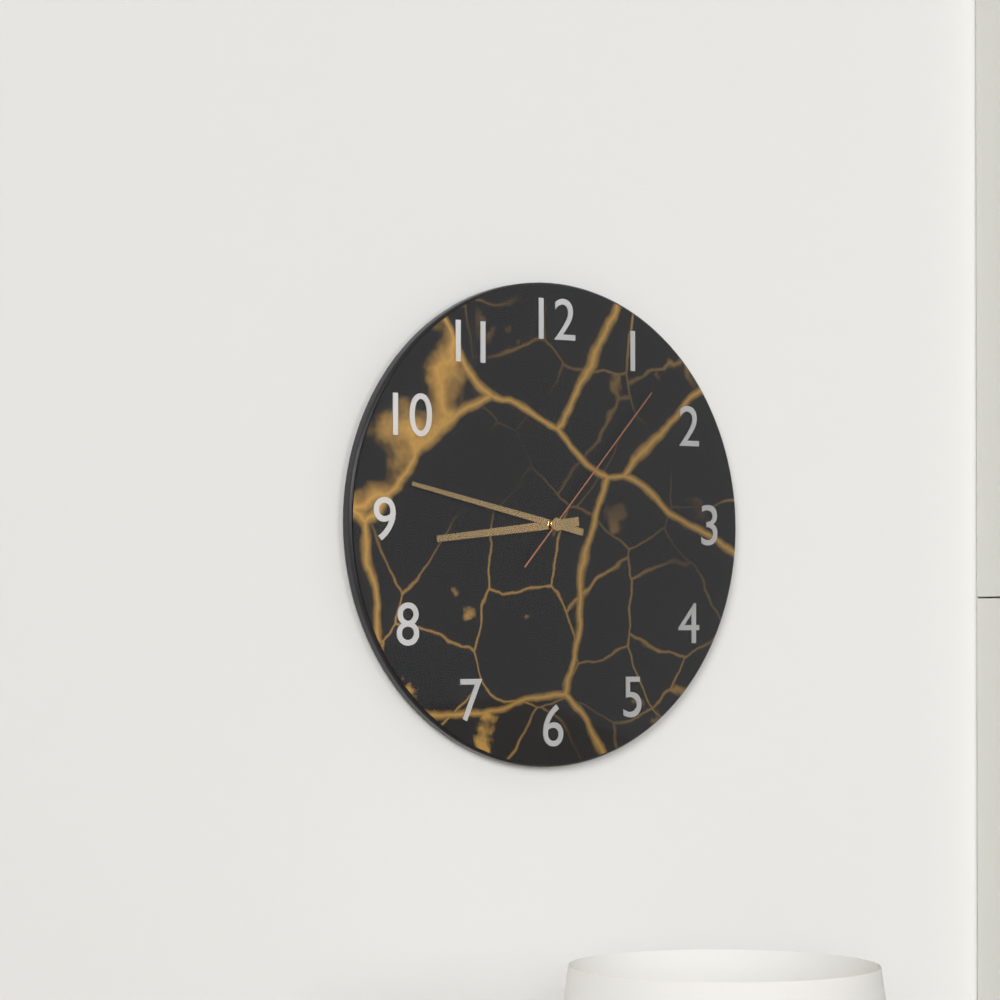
8:47:07
